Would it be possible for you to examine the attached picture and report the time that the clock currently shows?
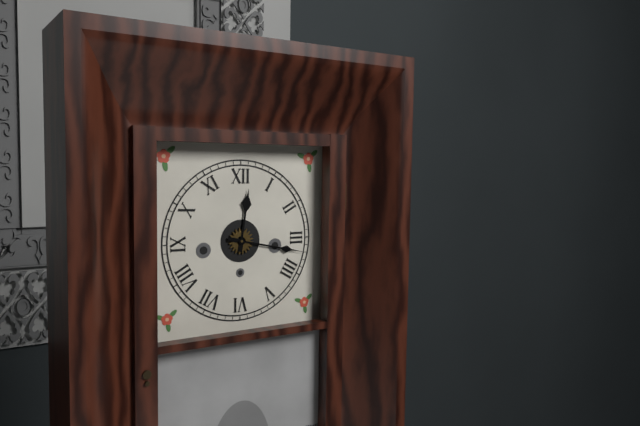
12:17
